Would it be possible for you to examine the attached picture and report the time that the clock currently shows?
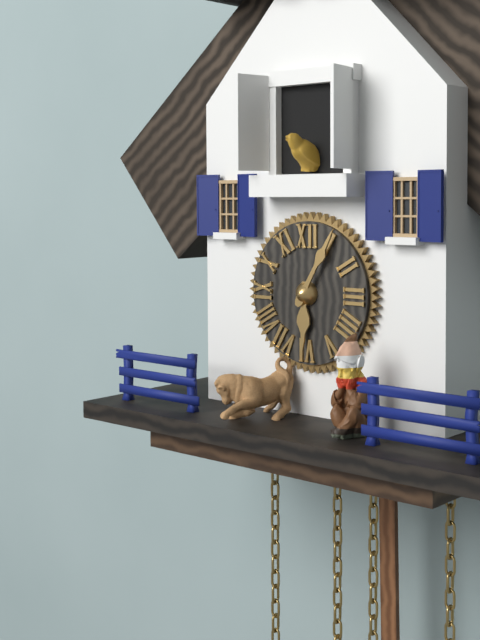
6:05
